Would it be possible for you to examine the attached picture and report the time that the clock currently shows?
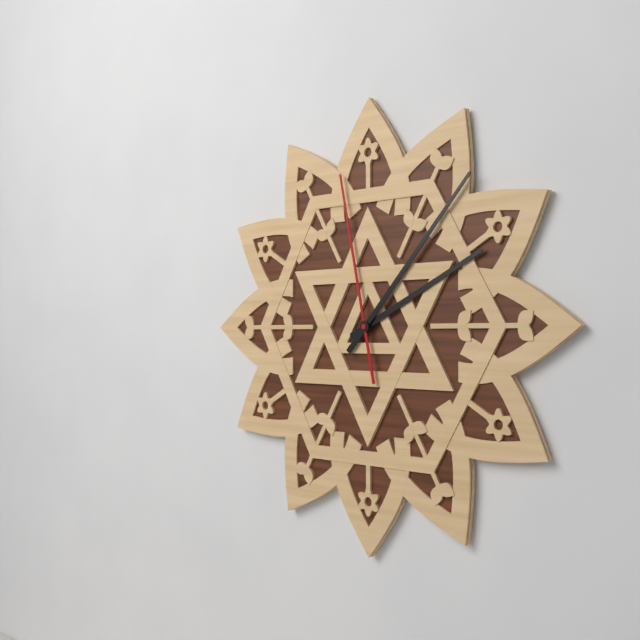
2:07:58
